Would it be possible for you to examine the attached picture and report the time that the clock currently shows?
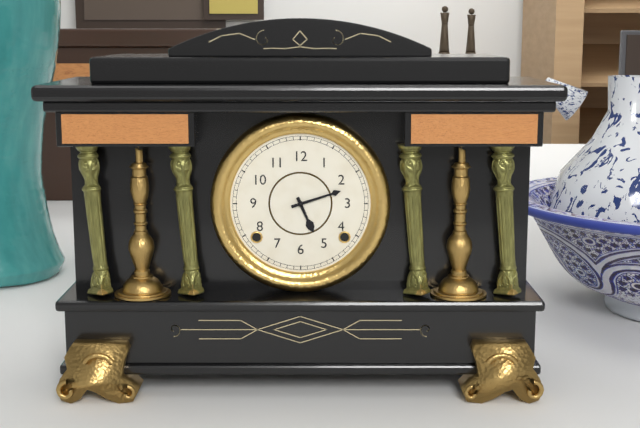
5:12
